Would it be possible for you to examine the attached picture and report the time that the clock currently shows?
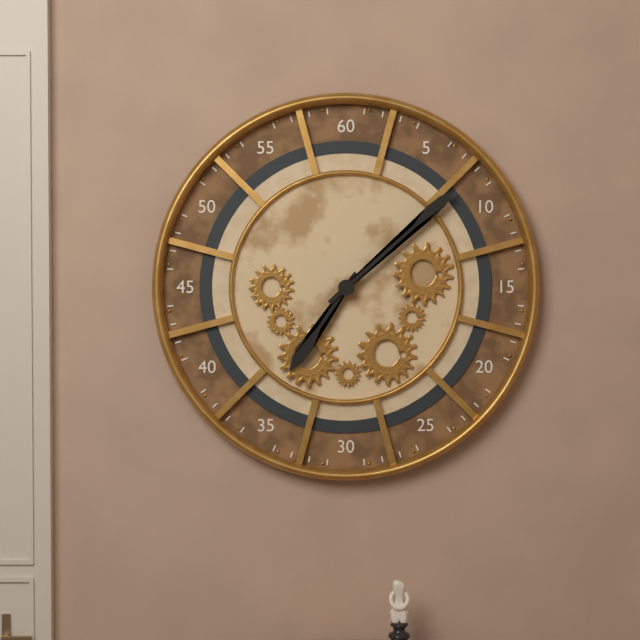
7:08
